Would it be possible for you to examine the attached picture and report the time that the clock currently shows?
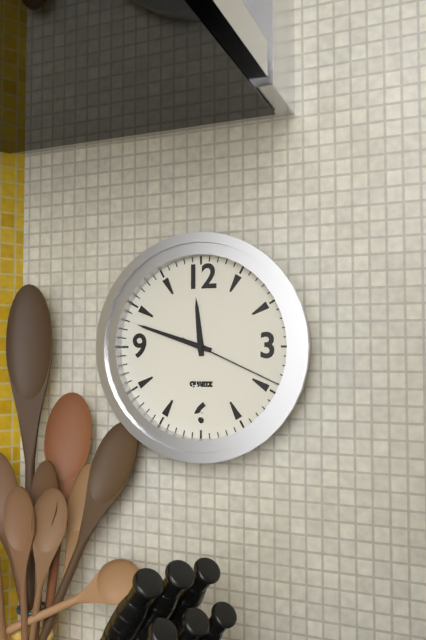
11:48:19
